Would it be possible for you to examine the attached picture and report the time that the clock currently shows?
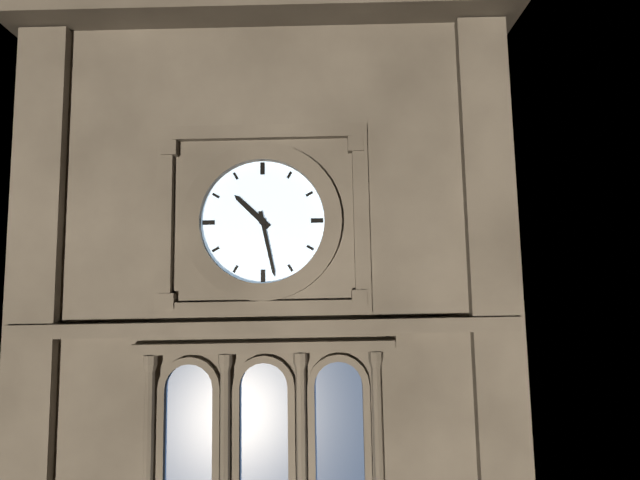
10:28
